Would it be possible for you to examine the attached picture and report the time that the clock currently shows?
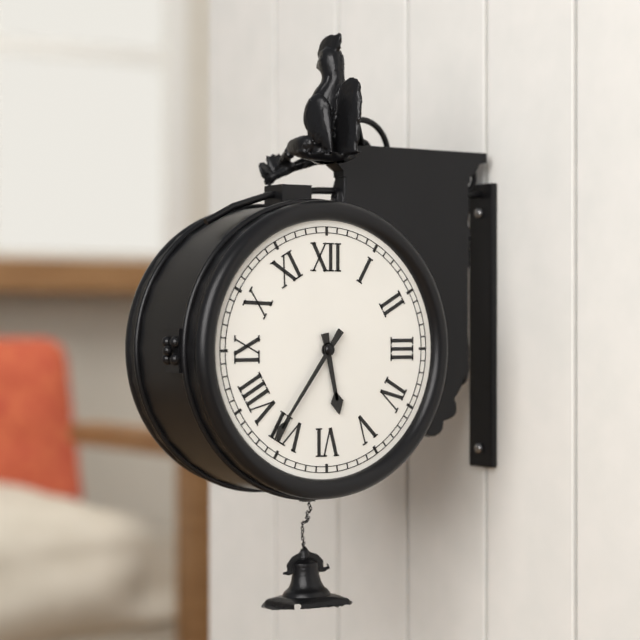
5:36
